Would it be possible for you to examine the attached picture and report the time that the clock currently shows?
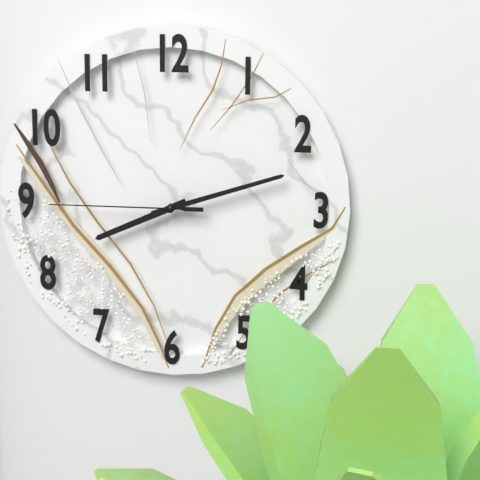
8:12:45
